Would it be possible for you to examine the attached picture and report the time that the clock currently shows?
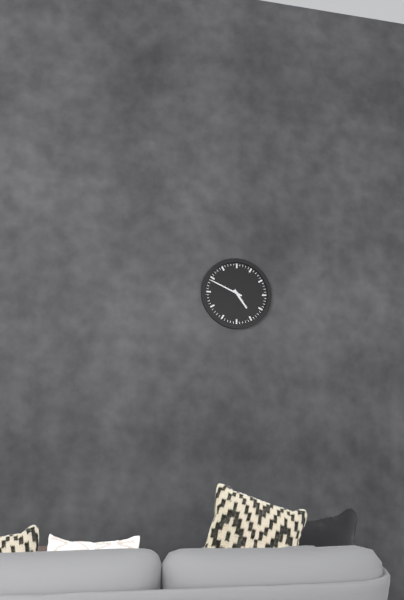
4:49
